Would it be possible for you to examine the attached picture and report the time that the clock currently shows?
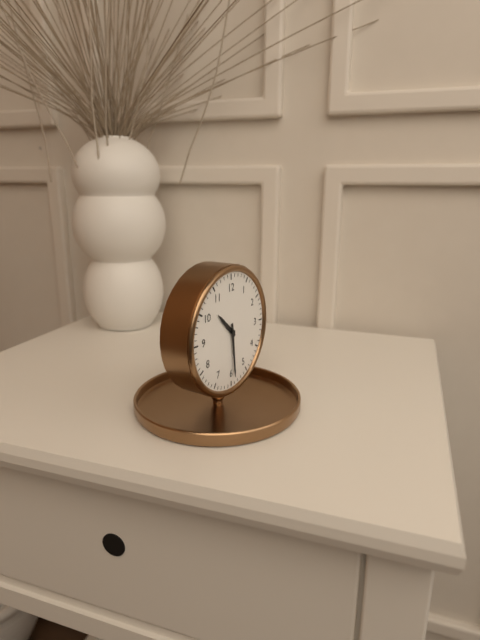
10:29
